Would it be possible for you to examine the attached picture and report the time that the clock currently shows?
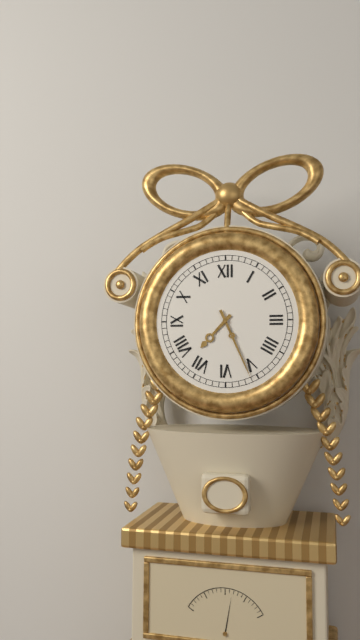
7:26
